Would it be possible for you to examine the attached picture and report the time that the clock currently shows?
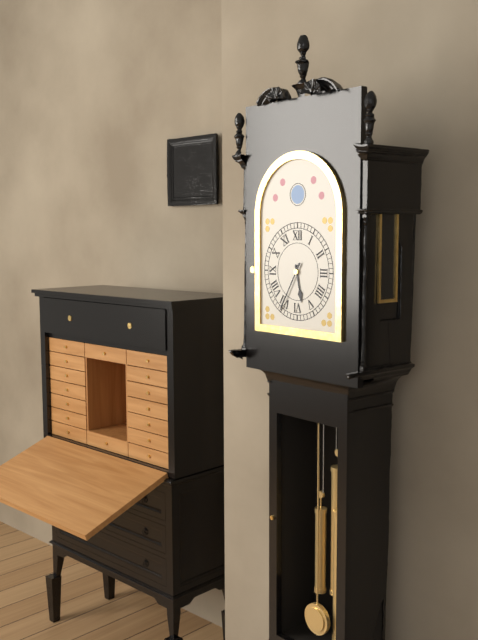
5:35
